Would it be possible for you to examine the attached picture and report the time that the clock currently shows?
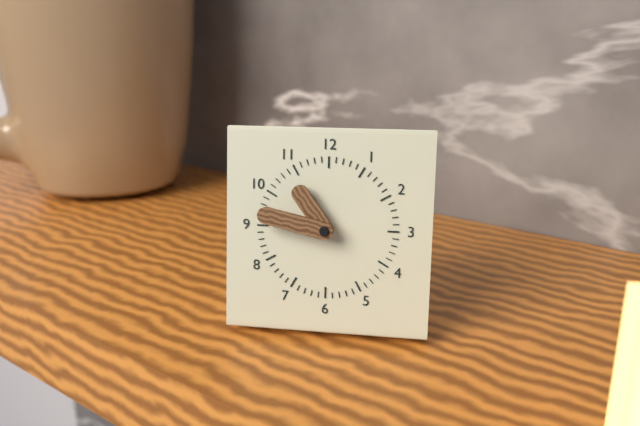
10:47
